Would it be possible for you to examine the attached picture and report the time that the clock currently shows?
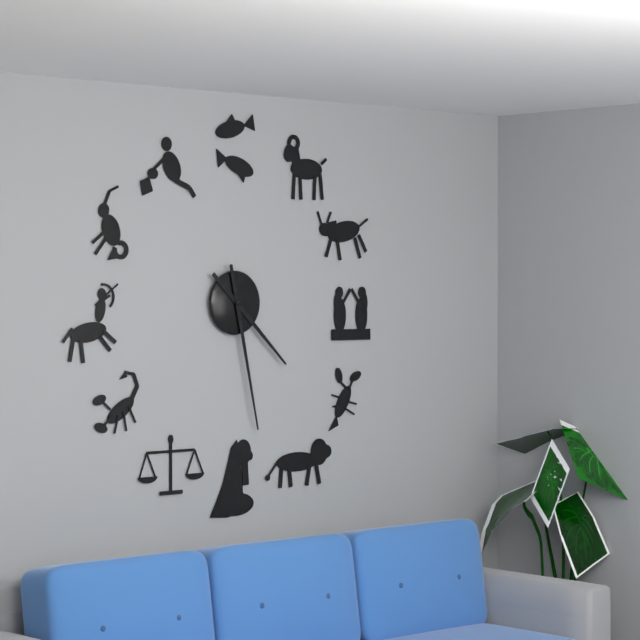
4:28
